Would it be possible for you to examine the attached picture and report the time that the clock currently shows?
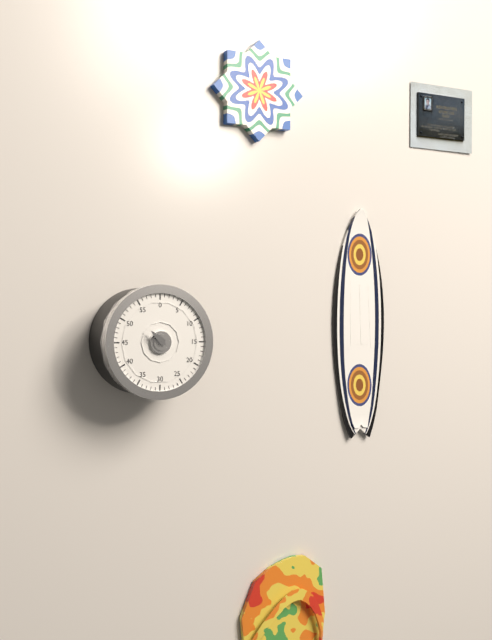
10:52
